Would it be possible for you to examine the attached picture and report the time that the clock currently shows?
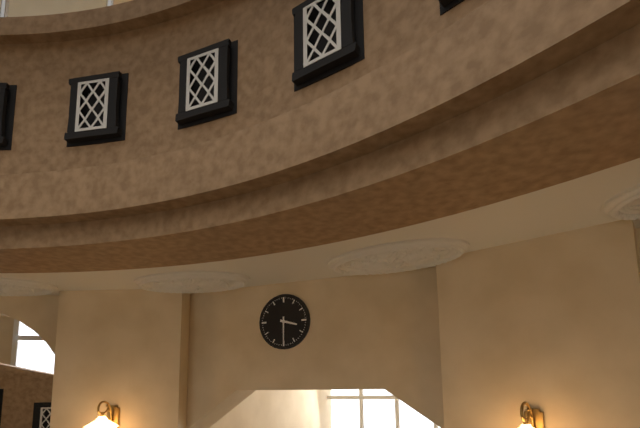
3:30
